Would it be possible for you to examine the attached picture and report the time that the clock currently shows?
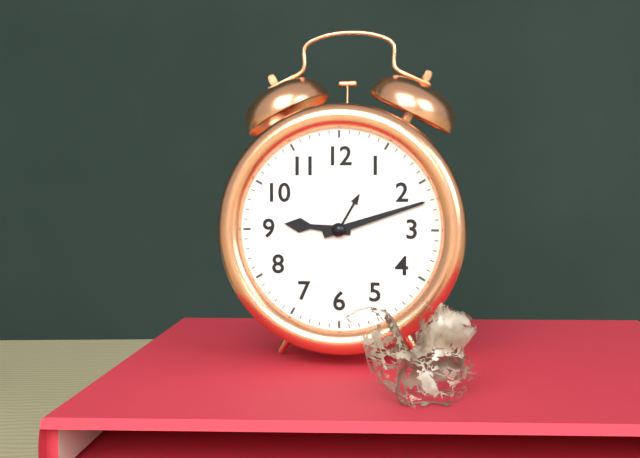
9:12
